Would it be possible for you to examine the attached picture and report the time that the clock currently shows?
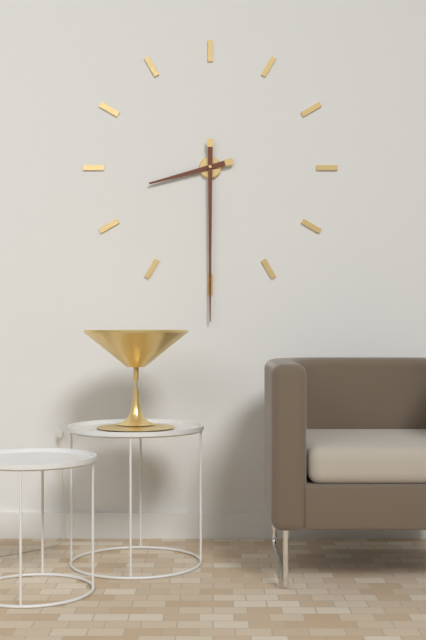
8:30
